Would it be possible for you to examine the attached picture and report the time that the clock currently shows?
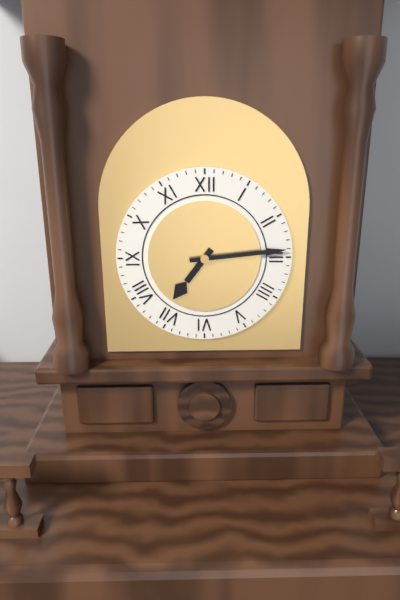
7:14
